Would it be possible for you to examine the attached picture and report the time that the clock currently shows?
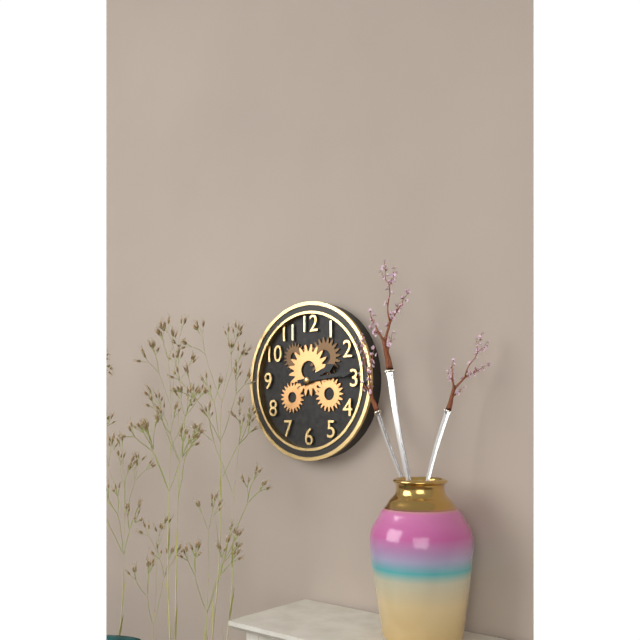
2:14
